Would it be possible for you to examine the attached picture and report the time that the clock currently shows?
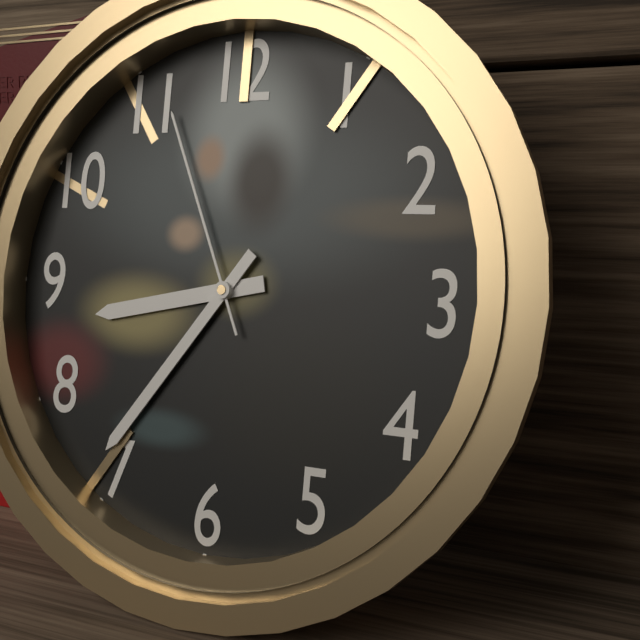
8:36:56
